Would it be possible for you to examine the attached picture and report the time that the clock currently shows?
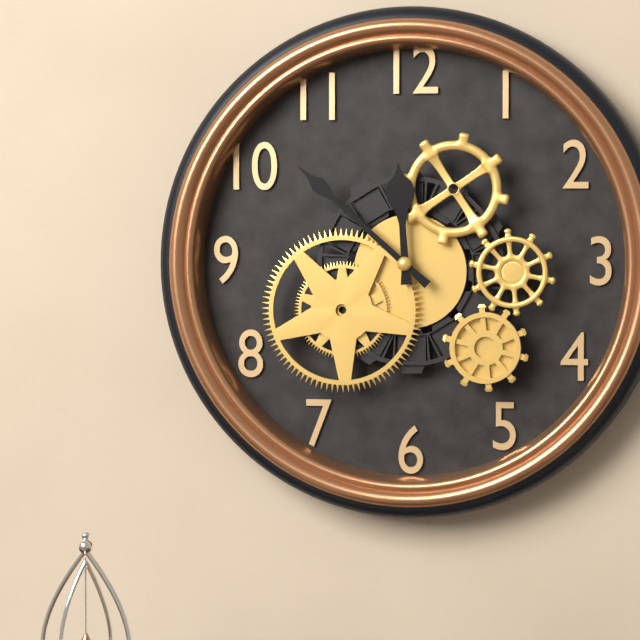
11:52
